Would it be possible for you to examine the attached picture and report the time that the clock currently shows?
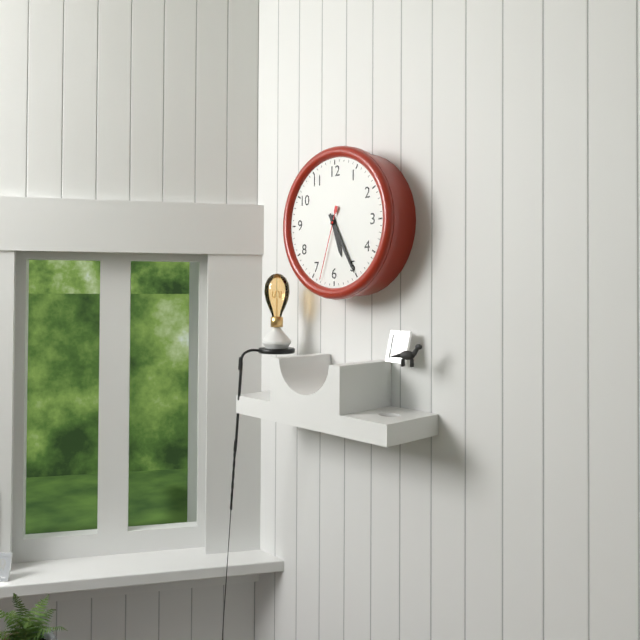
5:25:33
